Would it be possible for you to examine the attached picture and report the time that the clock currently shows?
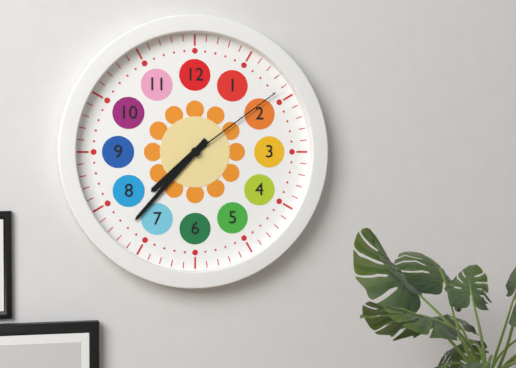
7:37:09
